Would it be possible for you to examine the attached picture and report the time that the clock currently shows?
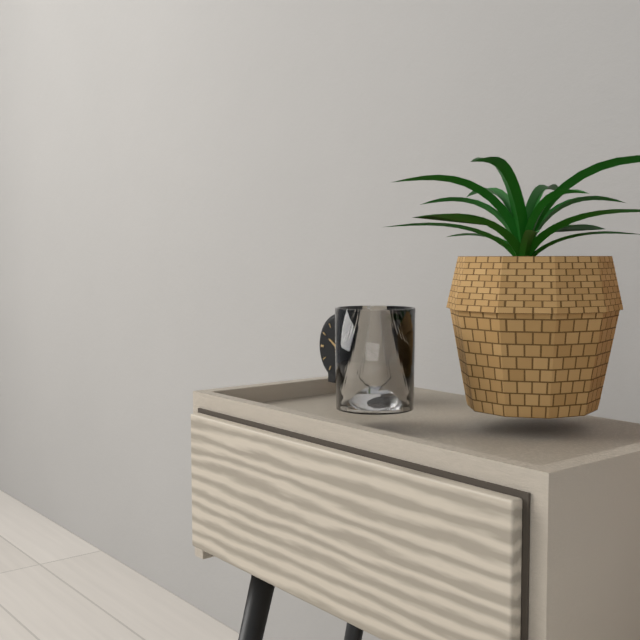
10:03
